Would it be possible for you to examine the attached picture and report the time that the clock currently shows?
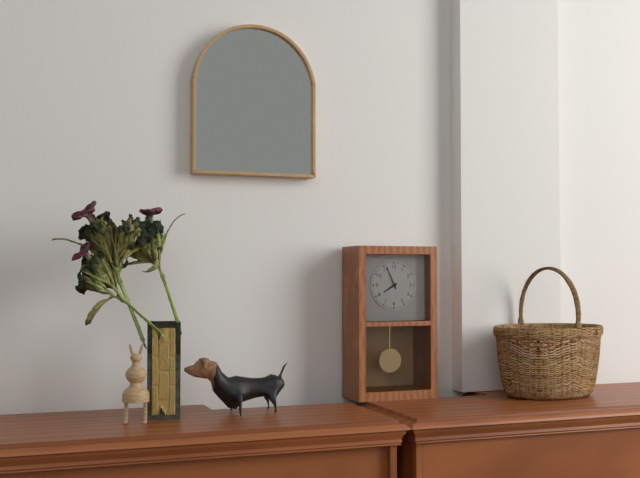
7:56
